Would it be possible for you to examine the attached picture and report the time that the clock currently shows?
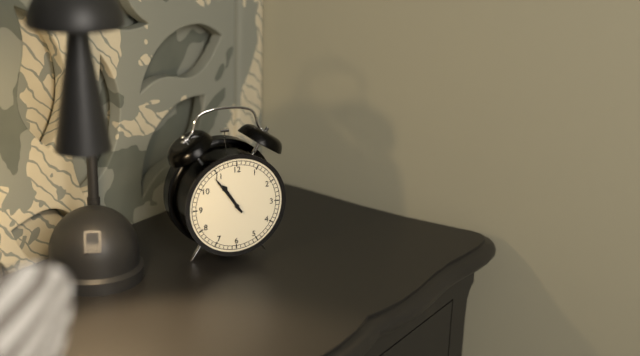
10:54
